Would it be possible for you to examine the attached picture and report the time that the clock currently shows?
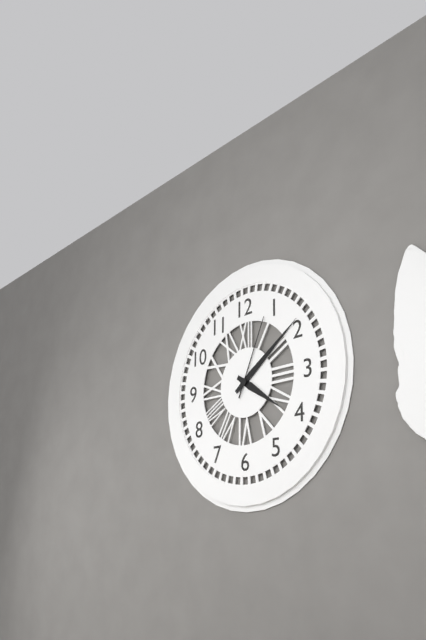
4:09:04
